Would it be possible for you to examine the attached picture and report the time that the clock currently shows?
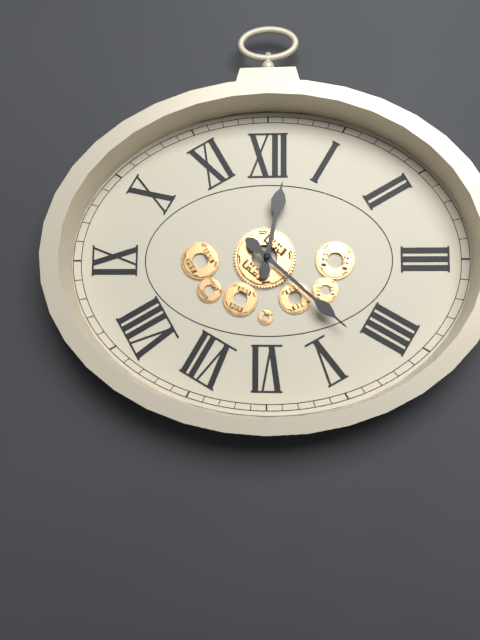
12:22
